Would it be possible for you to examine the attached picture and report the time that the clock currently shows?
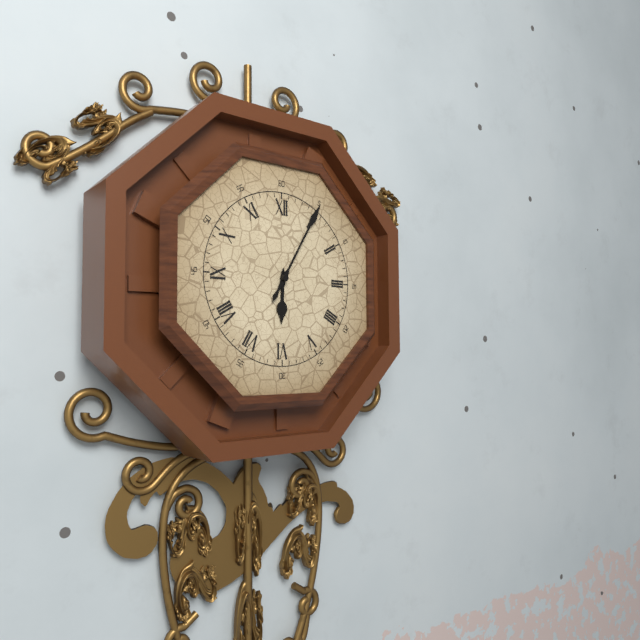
6:05
